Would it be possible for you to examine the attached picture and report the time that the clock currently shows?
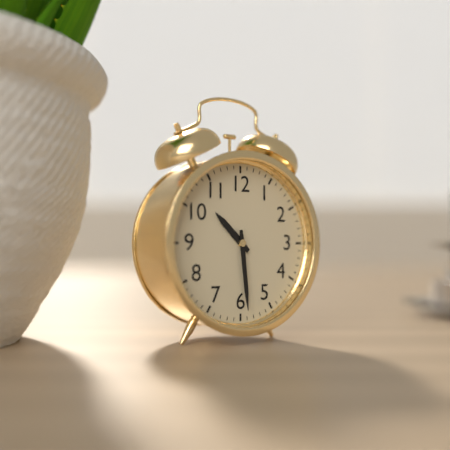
10:29
